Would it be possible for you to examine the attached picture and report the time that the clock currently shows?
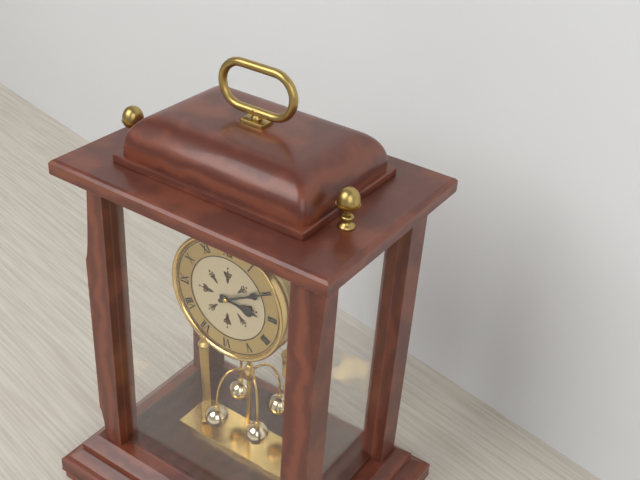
3:10
